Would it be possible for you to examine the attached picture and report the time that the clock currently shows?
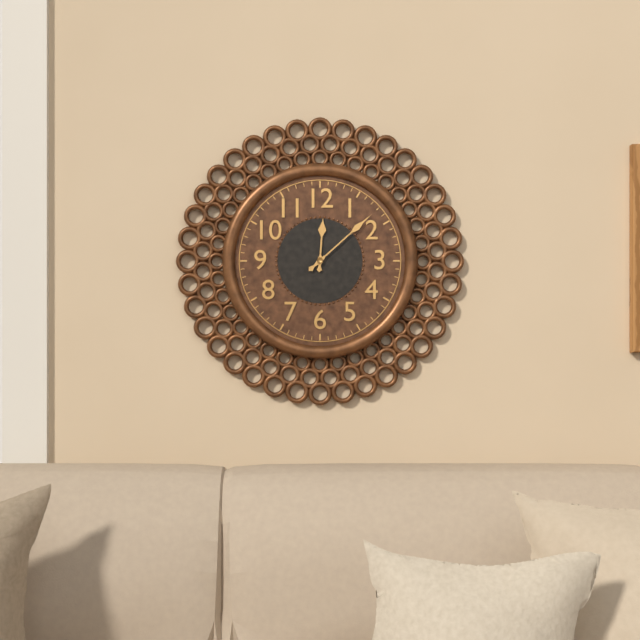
12:08
